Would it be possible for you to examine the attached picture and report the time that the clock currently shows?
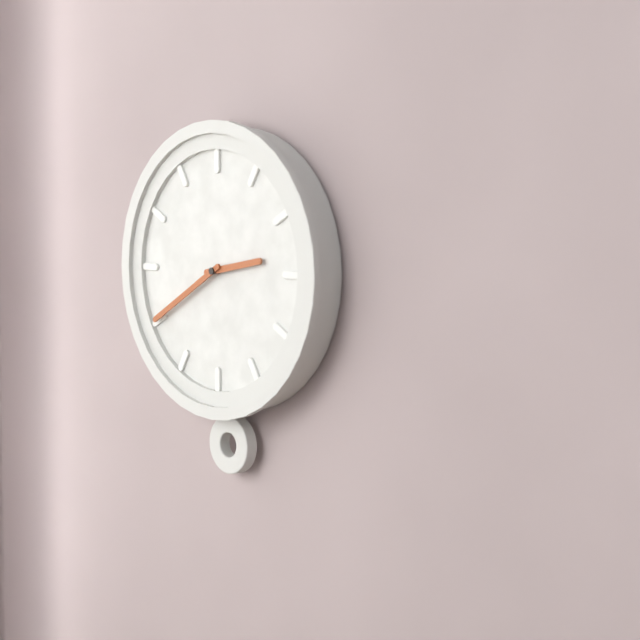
2:40
